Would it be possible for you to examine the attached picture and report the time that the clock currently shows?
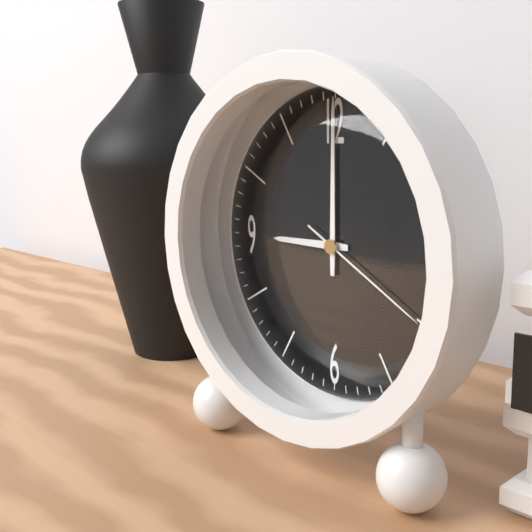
9:00:20
